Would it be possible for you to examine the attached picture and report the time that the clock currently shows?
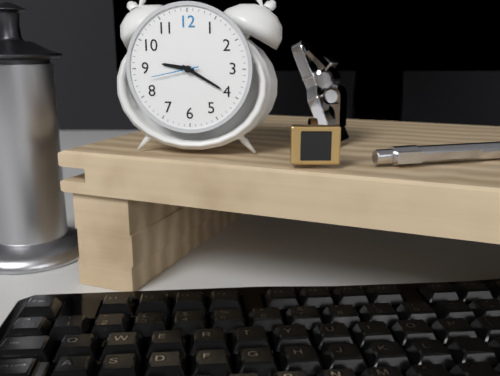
9:20
